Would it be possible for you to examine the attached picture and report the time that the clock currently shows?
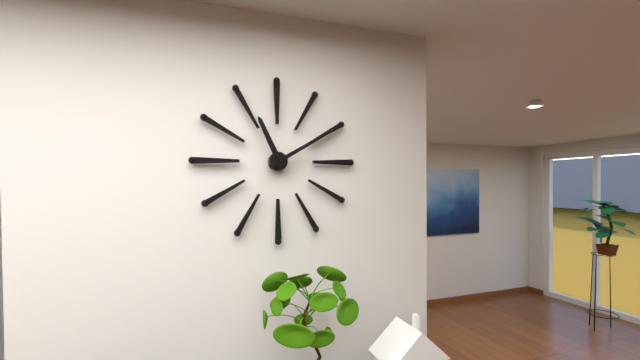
11:10
